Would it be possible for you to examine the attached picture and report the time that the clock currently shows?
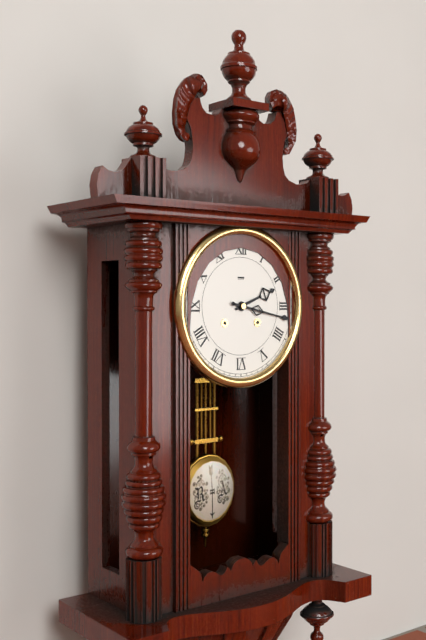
2:17
